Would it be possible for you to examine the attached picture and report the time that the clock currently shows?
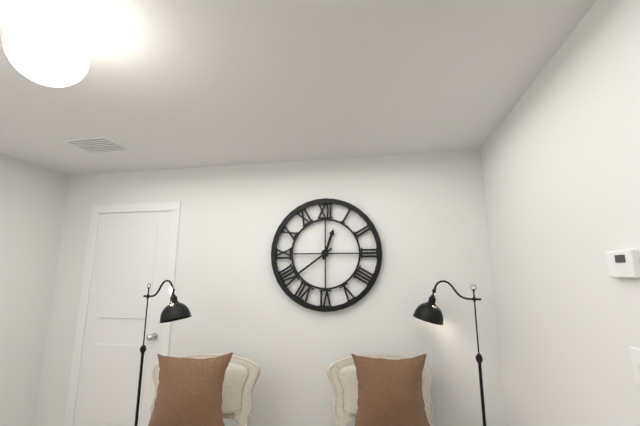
12:39
